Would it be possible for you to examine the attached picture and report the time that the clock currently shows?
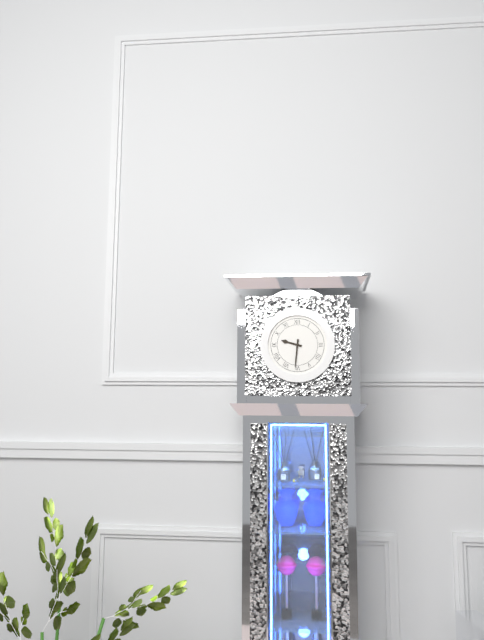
9:31
